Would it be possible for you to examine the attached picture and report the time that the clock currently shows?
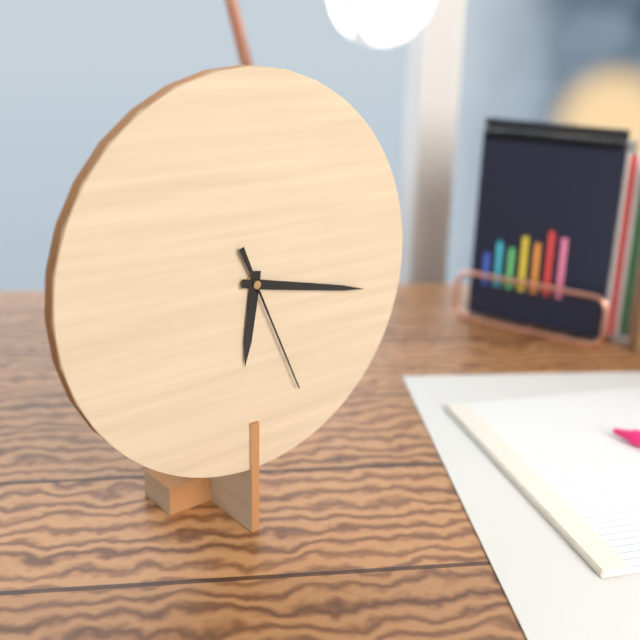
6:17:26
